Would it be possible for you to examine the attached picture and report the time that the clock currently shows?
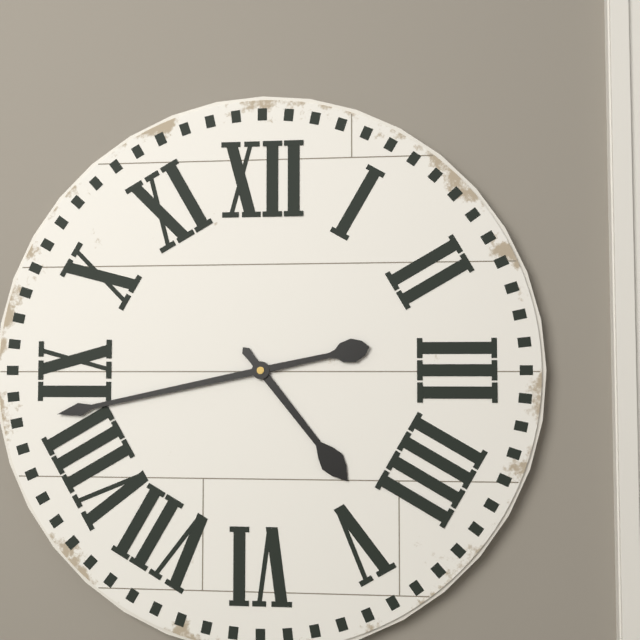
4:43
